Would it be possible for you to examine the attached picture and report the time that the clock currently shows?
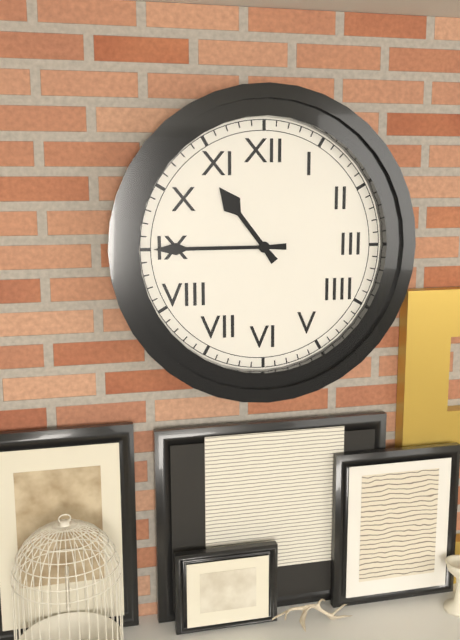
10:45
